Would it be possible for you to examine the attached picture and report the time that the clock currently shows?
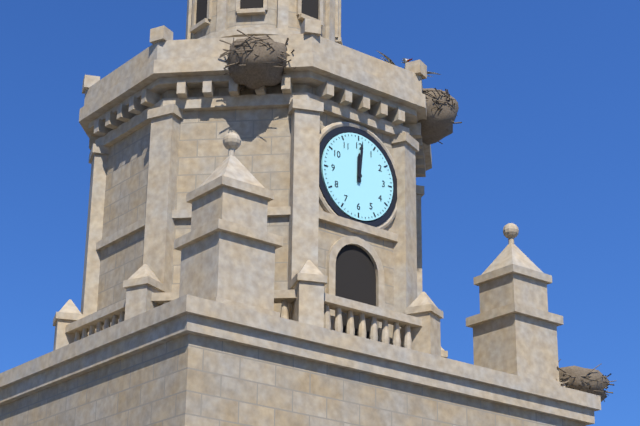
12:01
